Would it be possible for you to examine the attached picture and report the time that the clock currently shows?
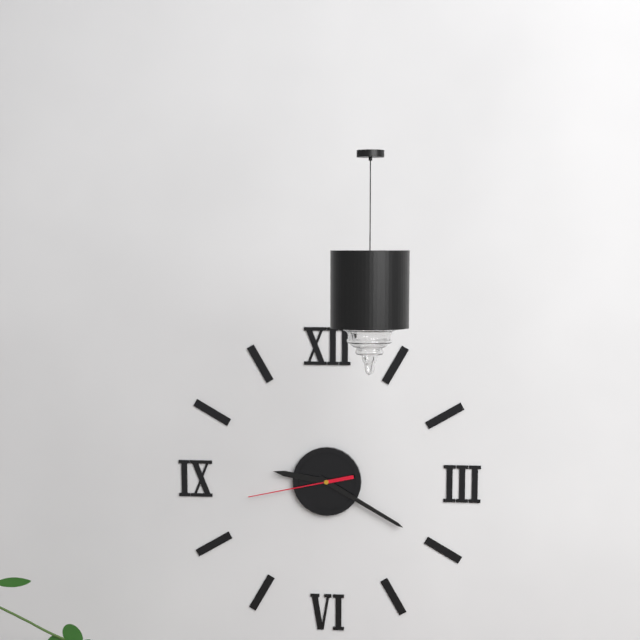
9:20:43
